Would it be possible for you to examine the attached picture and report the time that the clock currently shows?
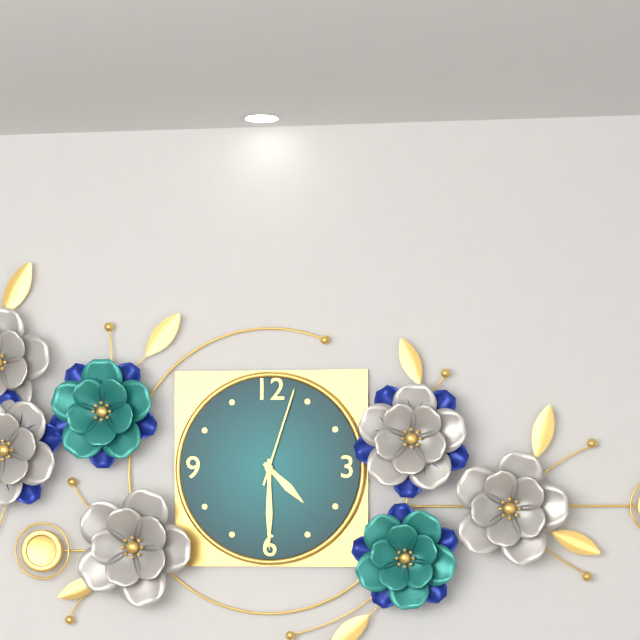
4:30:03
